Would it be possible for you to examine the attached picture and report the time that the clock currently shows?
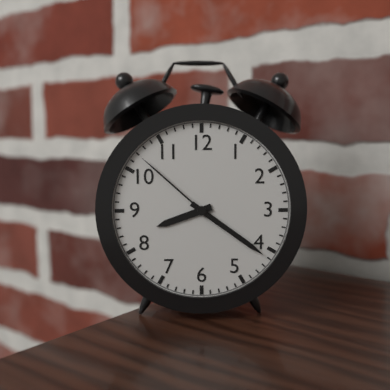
8:21:52
